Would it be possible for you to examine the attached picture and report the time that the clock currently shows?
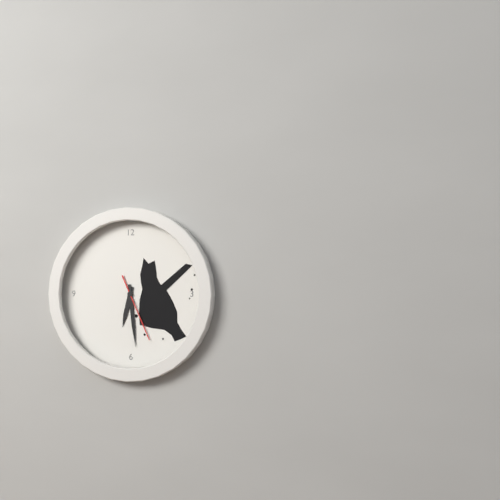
6:29:26
